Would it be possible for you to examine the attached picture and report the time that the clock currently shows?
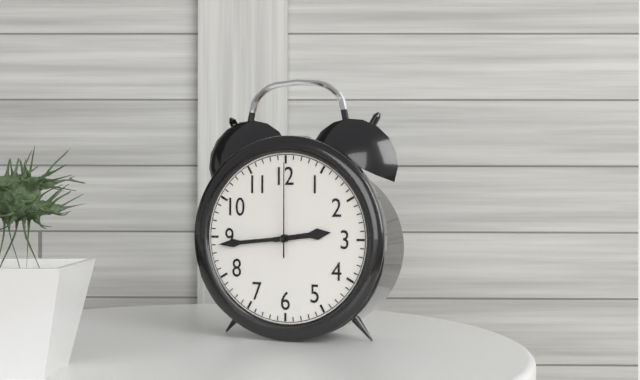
2:44:00
